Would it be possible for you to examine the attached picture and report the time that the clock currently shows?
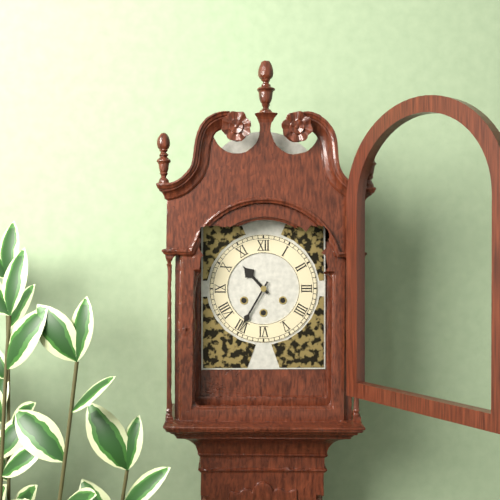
10:35
